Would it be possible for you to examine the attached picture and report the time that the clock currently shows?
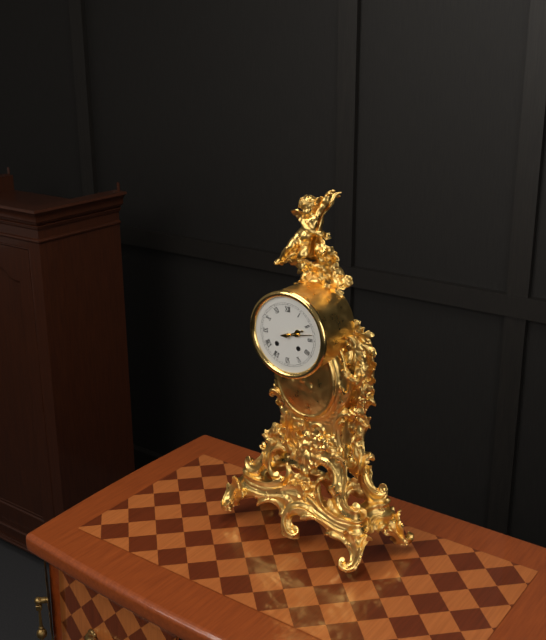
2:13
